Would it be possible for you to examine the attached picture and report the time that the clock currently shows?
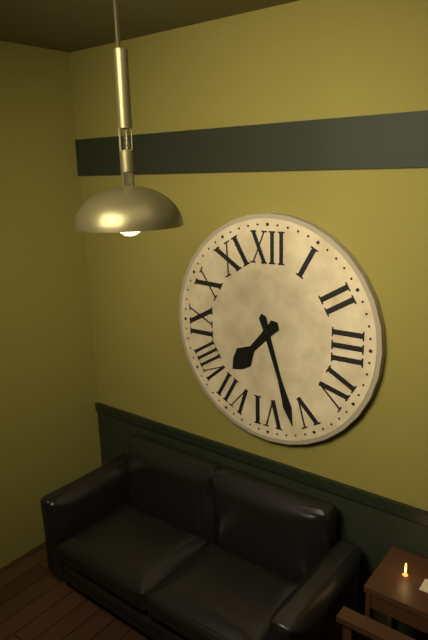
7:27
